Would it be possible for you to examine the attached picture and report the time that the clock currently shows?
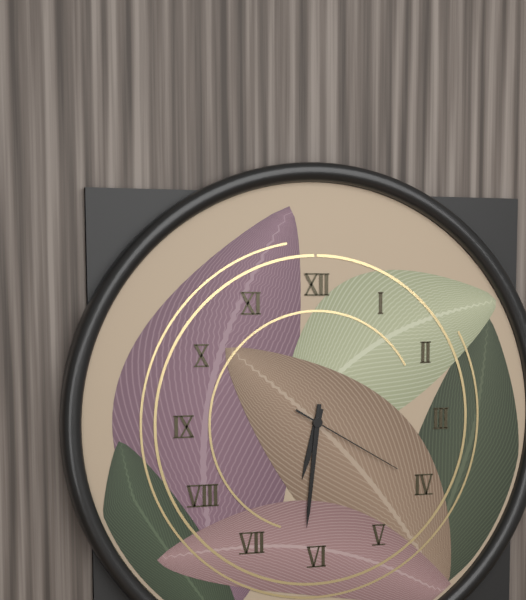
6:31:20
